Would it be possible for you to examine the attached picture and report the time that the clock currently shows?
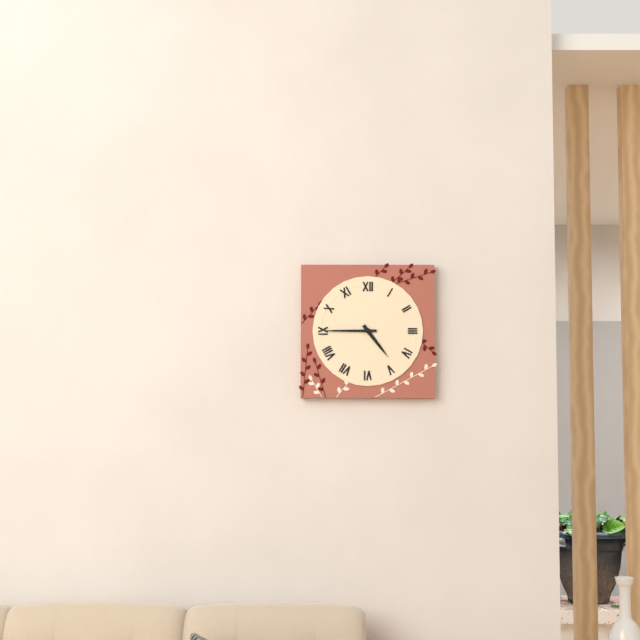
4:45
